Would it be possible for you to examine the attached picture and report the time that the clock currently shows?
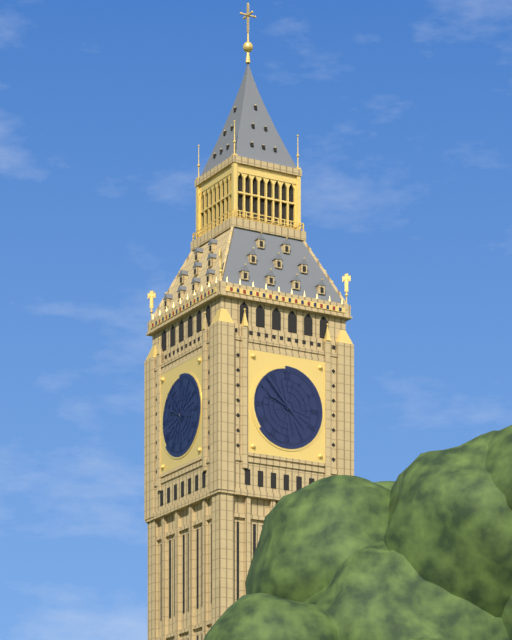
9:53
